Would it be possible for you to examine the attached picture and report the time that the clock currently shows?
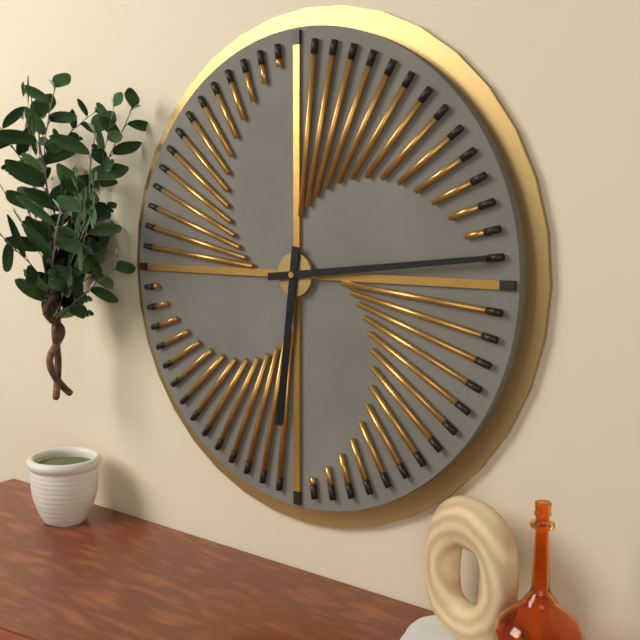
6:14
